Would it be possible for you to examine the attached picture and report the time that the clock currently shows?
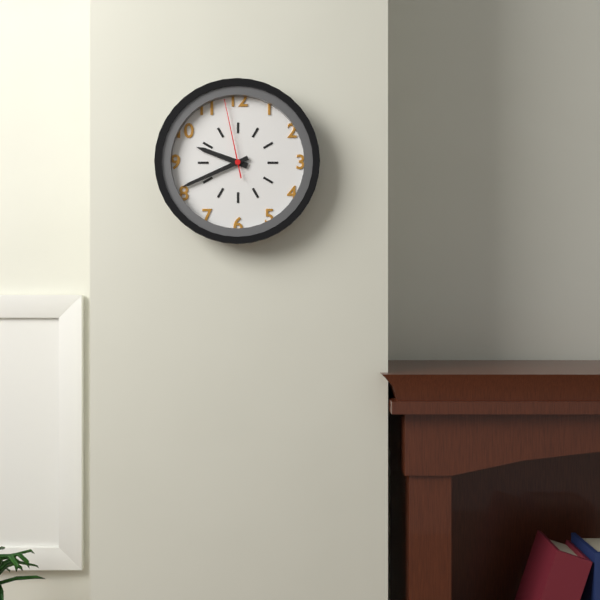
9:41:58
